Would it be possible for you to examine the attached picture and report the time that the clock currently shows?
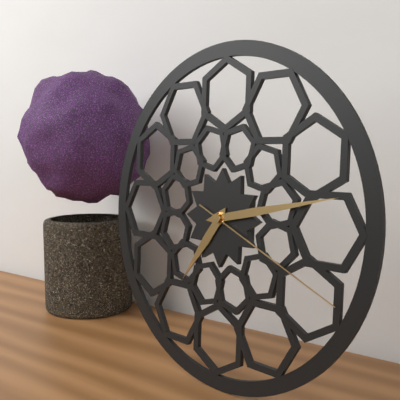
7:13:19
